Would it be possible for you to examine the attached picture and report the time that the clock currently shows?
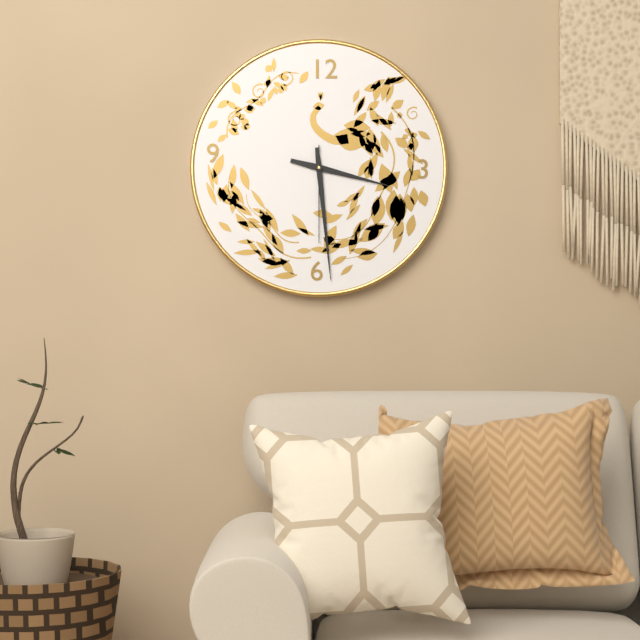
3:29:30
